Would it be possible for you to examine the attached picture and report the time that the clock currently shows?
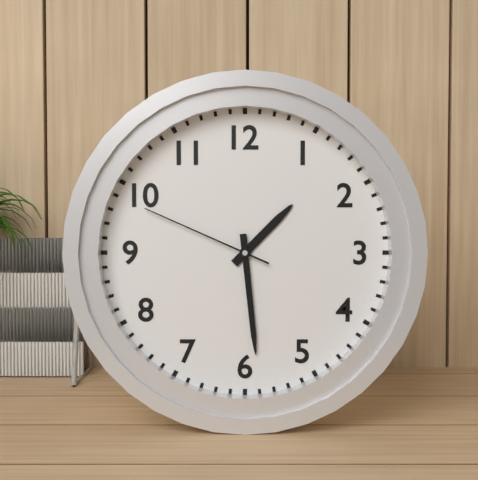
1:29:49
